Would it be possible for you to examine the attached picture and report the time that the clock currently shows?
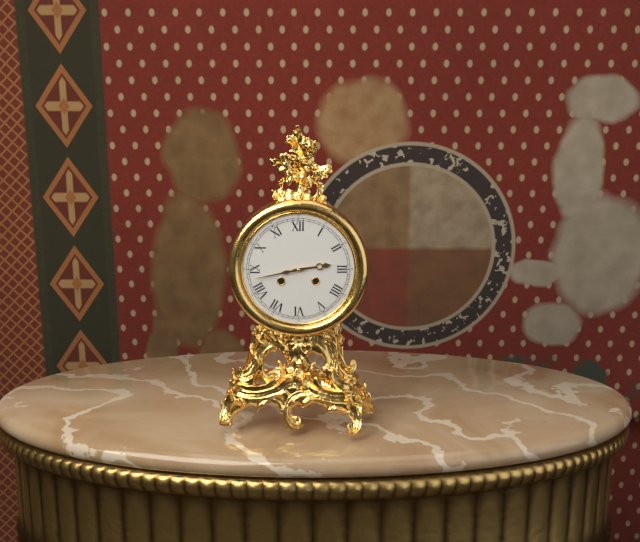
2:43
